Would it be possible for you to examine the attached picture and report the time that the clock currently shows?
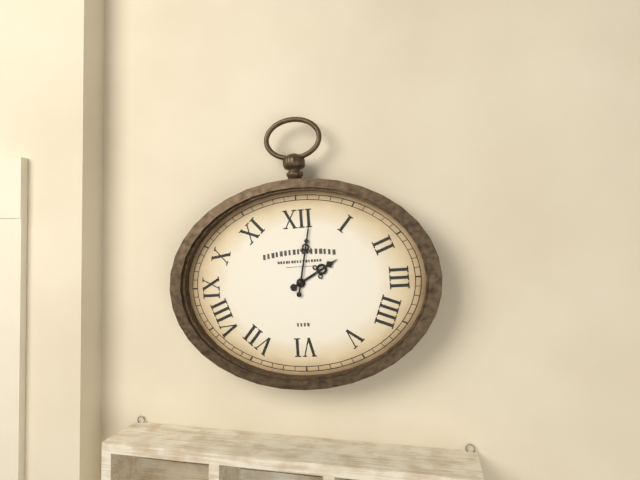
2:02
